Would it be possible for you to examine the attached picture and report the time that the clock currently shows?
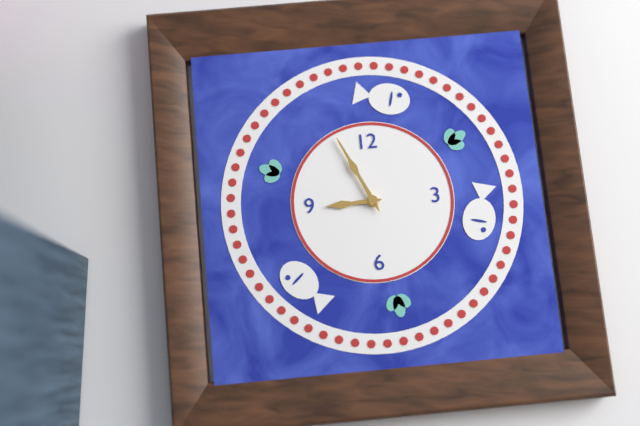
8:56
